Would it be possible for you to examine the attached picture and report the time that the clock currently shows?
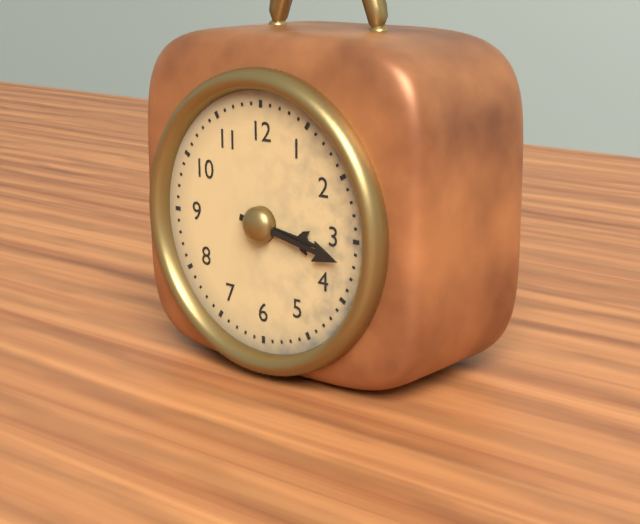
3:17
